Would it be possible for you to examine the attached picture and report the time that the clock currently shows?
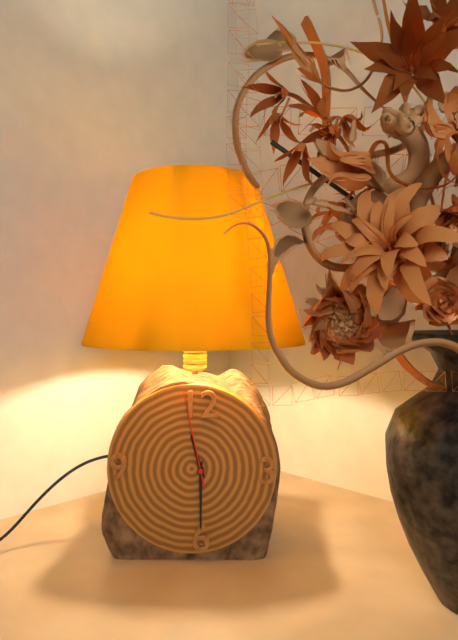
11:30:58
